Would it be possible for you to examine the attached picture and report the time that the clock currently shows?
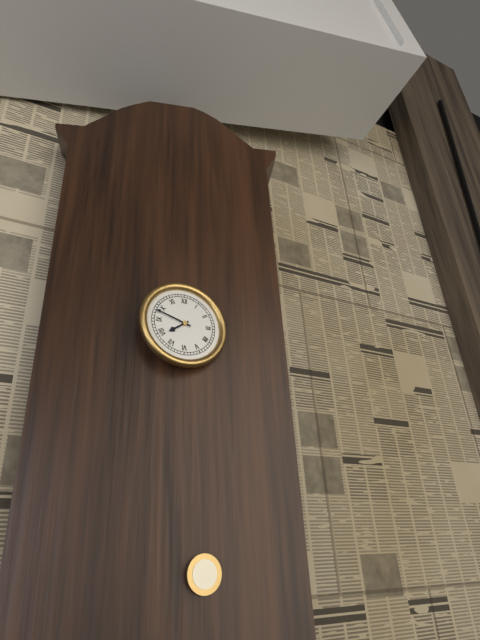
7:48
